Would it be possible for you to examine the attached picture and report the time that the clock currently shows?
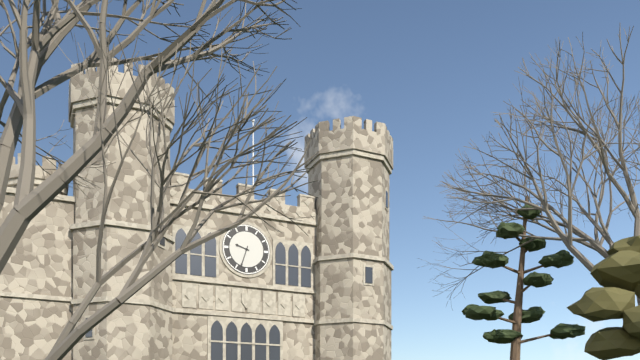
9:33
